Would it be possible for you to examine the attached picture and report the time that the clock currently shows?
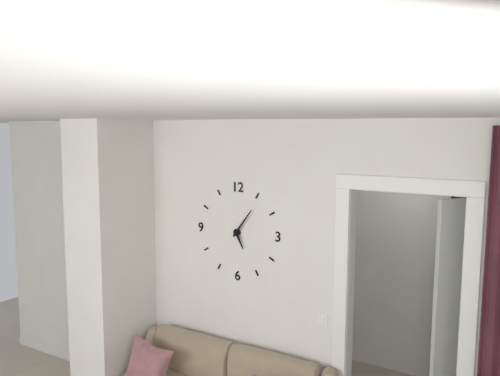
5:06
